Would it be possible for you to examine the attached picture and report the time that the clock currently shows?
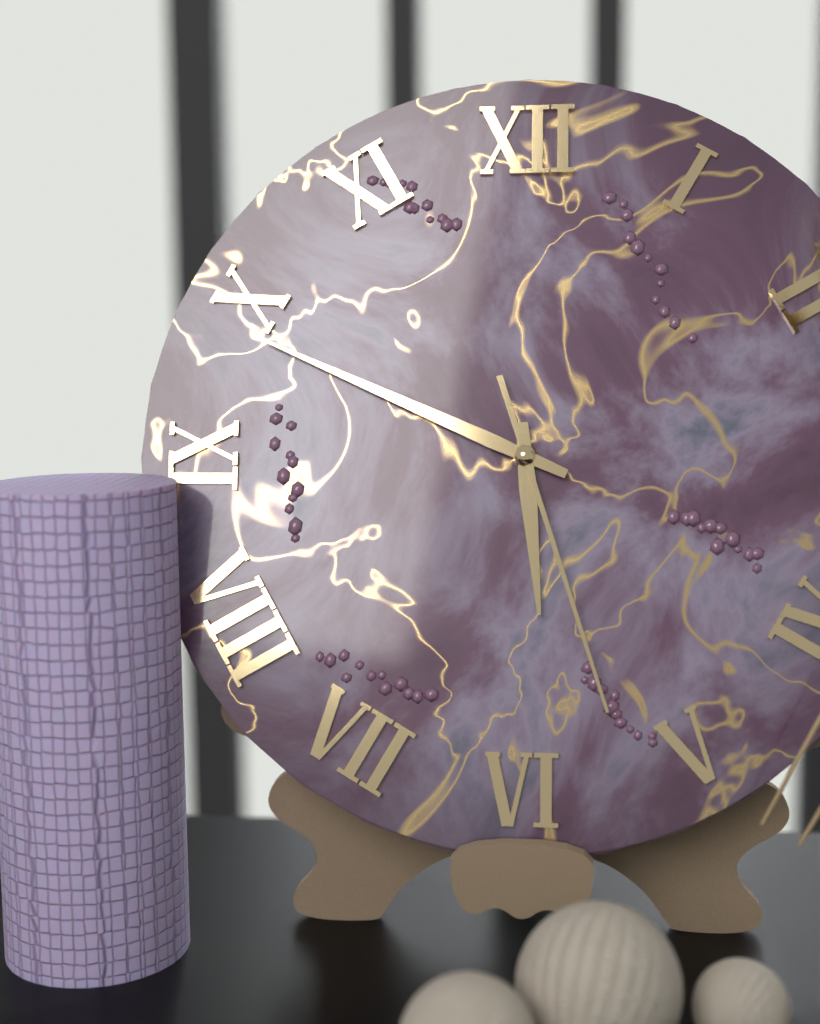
5:49:27
